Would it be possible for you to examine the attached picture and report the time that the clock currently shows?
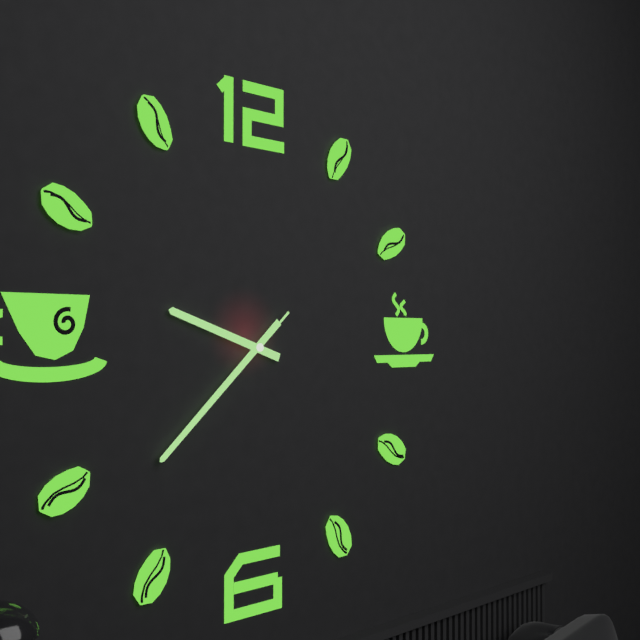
9:38:38
